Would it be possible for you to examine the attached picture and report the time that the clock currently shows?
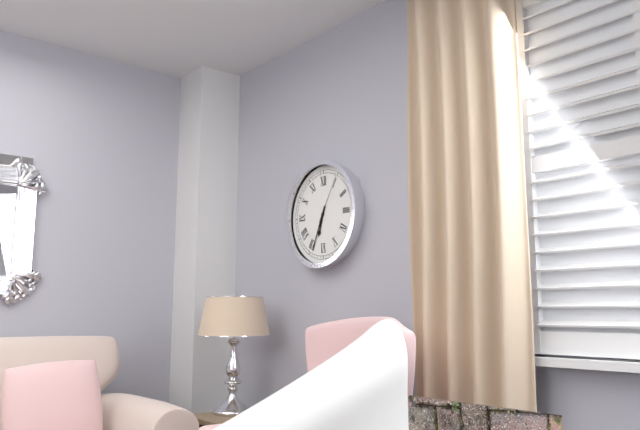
6:34:05
